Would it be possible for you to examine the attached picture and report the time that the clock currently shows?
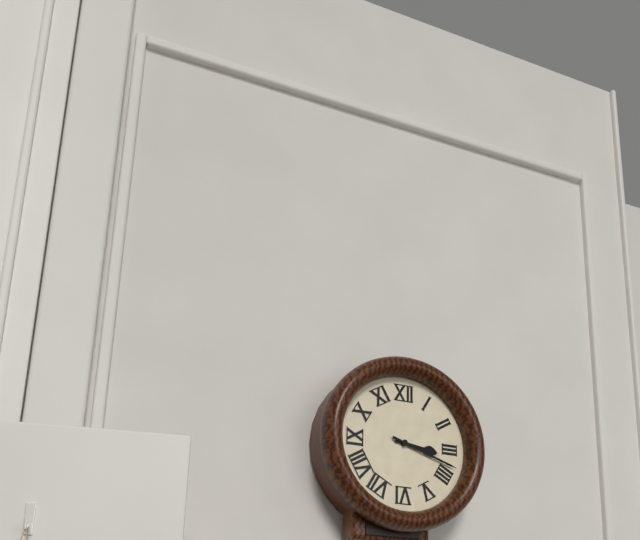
3:18
